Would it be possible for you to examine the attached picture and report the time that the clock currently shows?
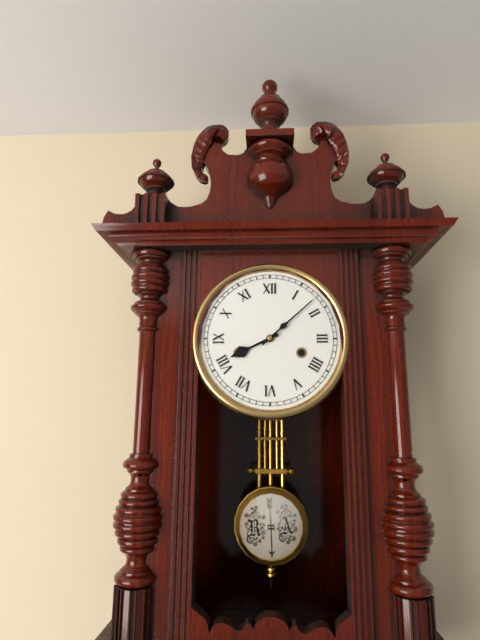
8:08
